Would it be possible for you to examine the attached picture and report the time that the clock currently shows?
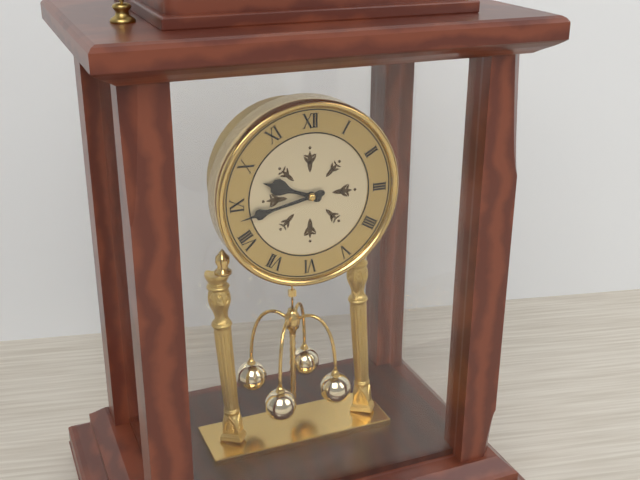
9:43
